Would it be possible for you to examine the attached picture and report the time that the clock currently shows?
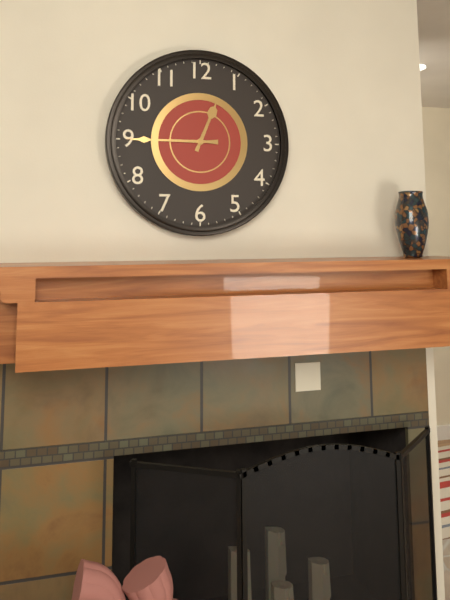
12:45
